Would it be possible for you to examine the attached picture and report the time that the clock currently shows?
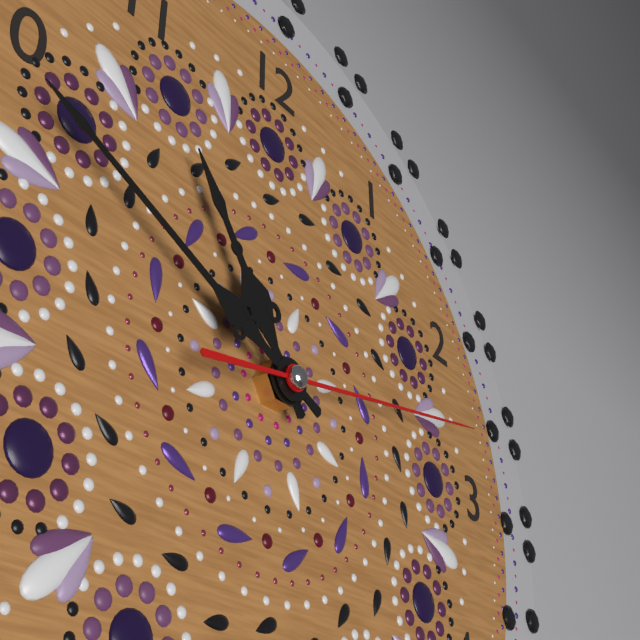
10:49:13
